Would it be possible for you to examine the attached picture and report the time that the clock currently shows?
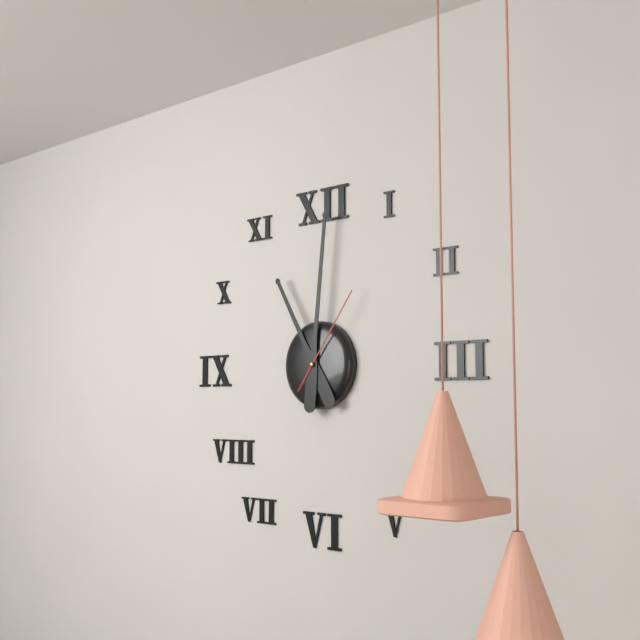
11:01:06
